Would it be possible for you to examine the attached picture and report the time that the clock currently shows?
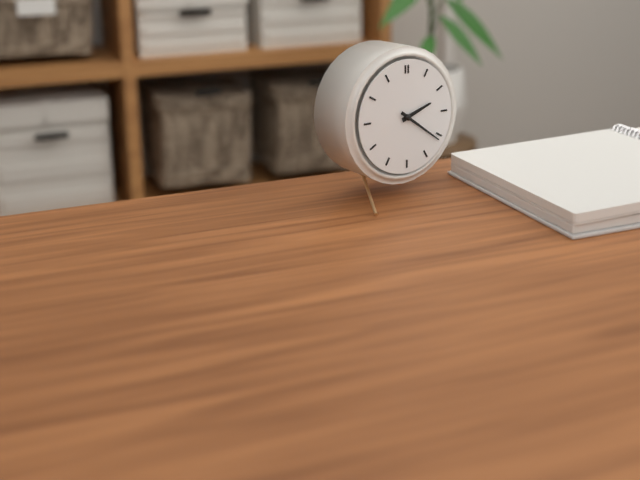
2:21
